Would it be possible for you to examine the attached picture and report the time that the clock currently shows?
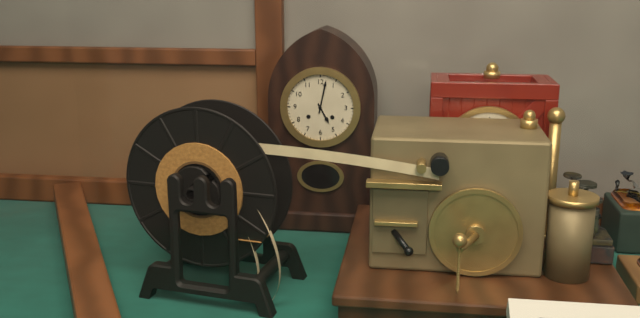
5:02
